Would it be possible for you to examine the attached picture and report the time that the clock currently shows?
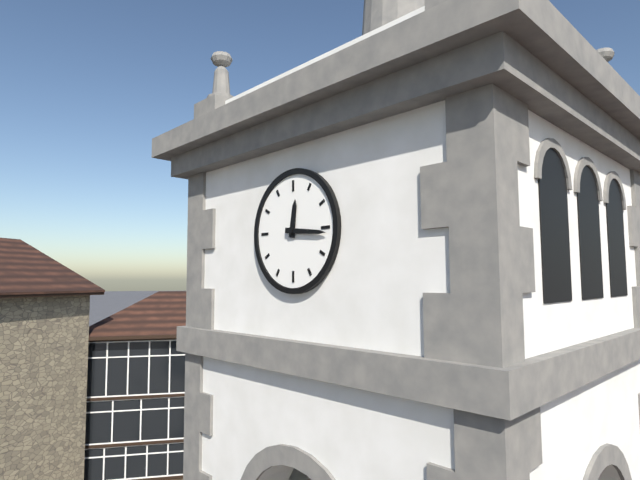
12:16
